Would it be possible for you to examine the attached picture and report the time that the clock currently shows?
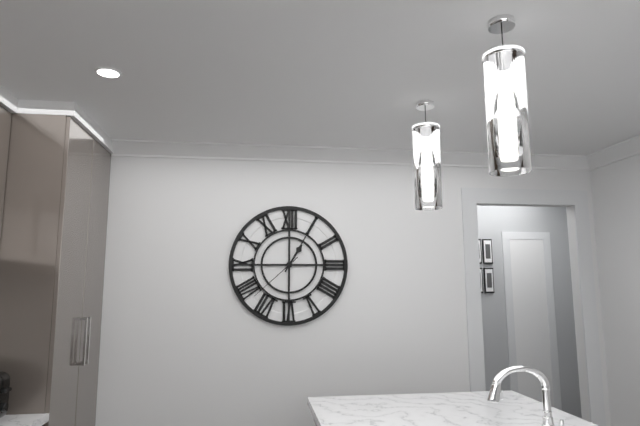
1:05:38
